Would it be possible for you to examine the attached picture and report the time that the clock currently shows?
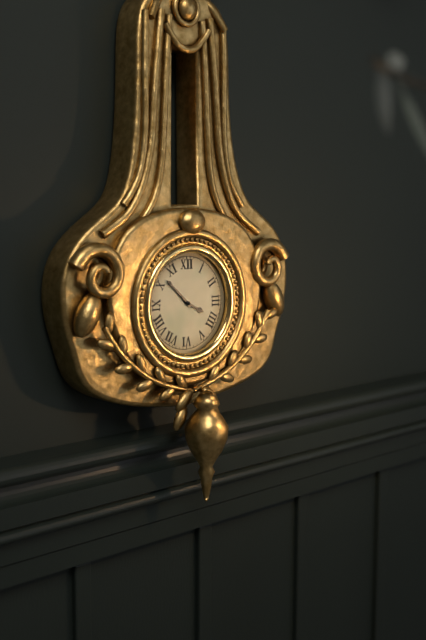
3:52
